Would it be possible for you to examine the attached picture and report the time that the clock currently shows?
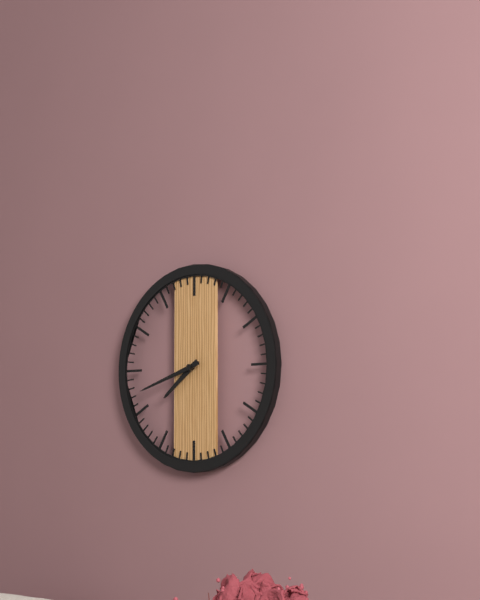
7:42
